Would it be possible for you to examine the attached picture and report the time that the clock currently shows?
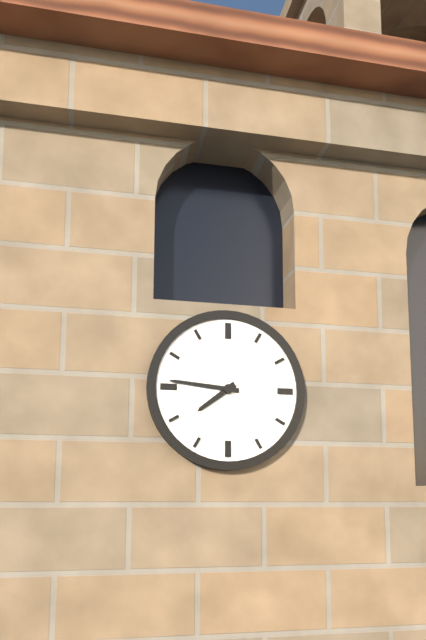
7:46
